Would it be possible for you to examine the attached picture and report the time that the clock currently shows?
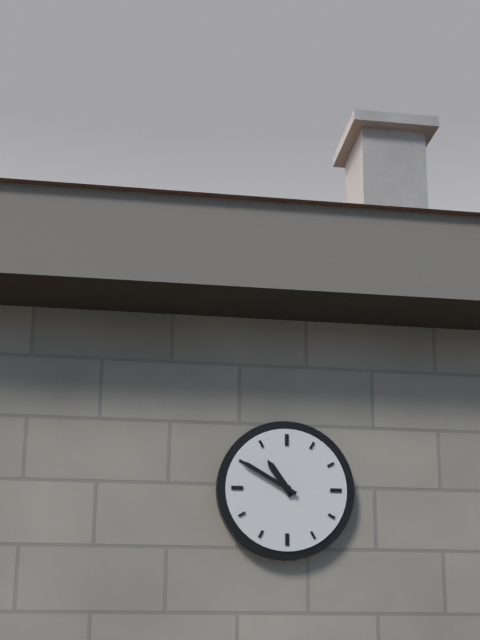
10:50
